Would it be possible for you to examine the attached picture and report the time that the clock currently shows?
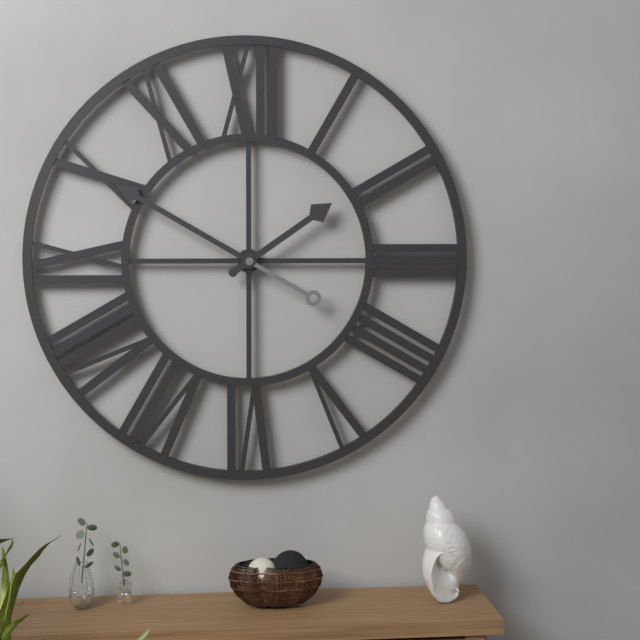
1:50
